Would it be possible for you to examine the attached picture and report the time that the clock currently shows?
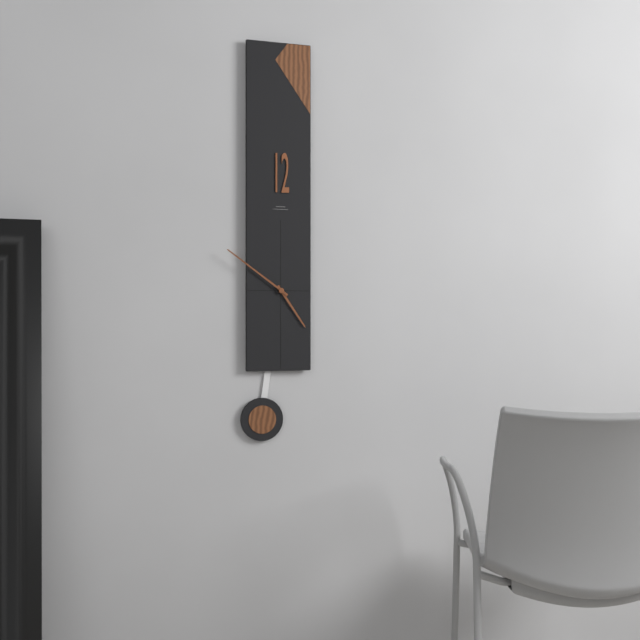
4:51
